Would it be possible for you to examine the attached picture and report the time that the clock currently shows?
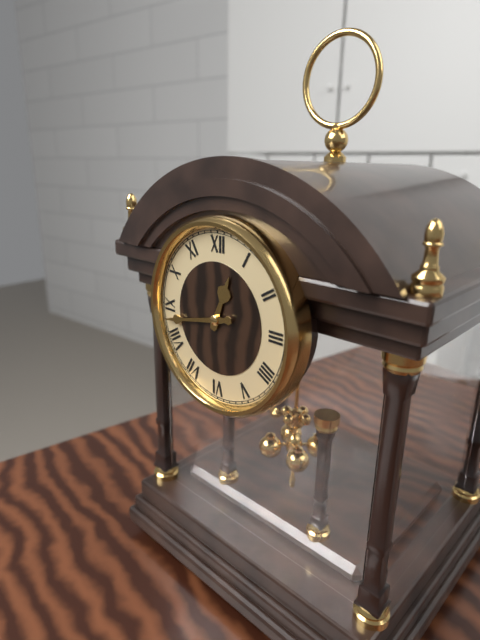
12:43
